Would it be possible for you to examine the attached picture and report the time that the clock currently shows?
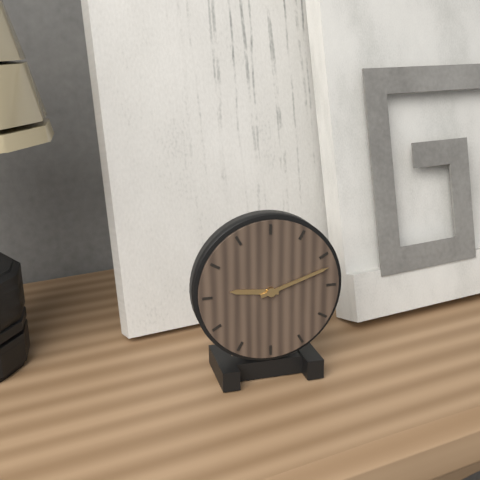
9:12
